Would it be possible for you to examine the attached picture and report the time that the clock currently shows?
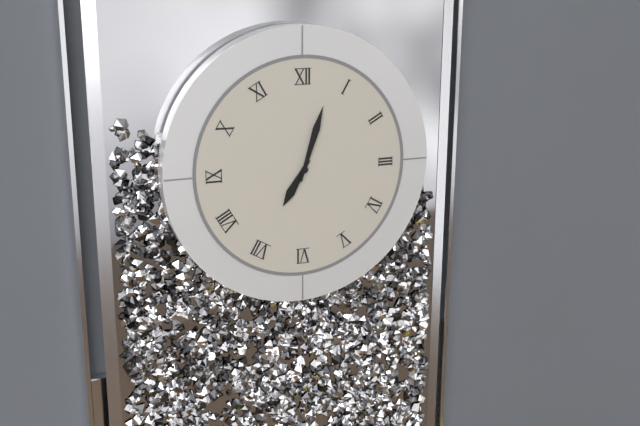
7:03
